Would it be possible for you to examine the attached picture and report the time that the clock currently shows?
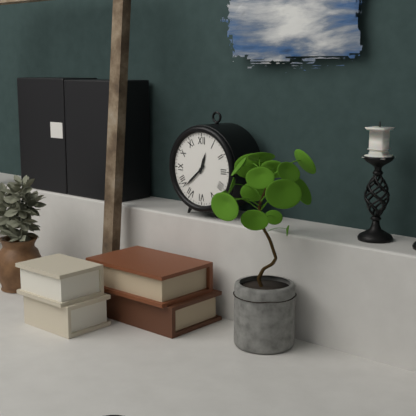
12:38
